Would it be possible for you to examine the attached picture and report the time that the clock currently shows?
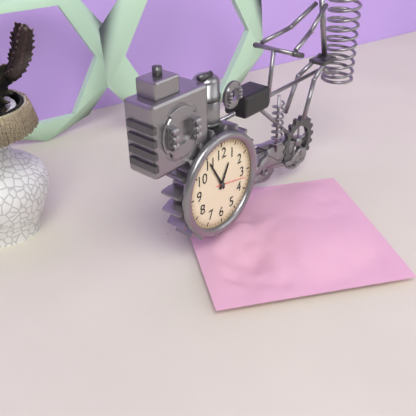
12:55
